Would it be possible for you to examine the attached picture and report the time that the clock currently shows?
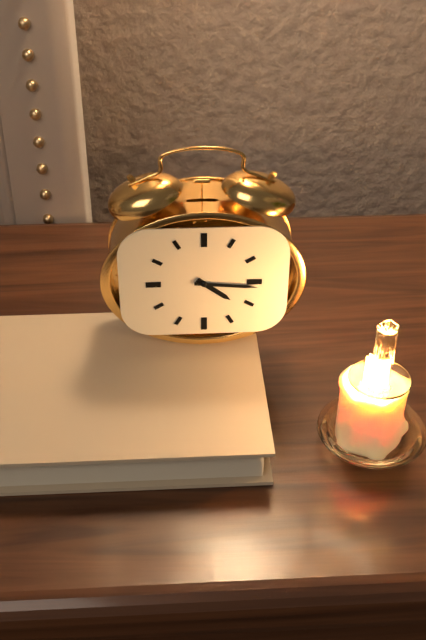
4:16
